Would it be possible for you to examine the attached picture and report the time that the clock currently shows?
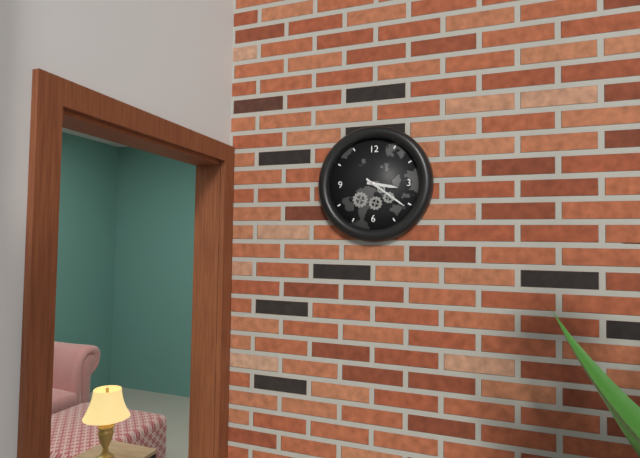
3:21
